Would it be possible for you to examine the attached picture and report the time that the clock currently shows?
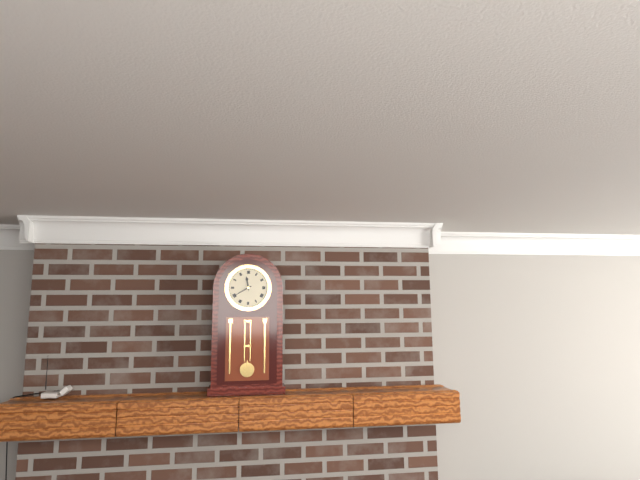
11:40
